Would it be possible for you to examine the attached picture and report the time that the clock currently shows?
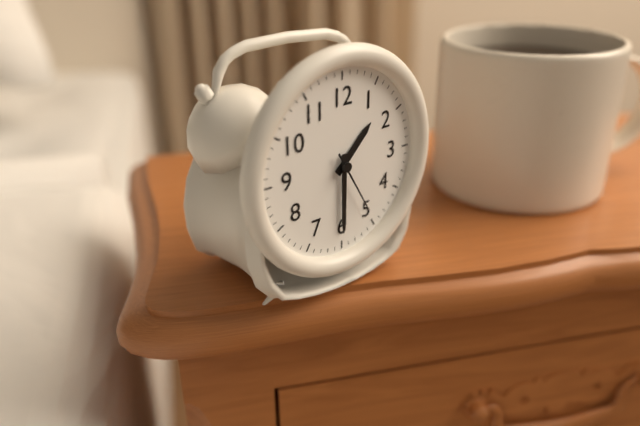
1:30:25
